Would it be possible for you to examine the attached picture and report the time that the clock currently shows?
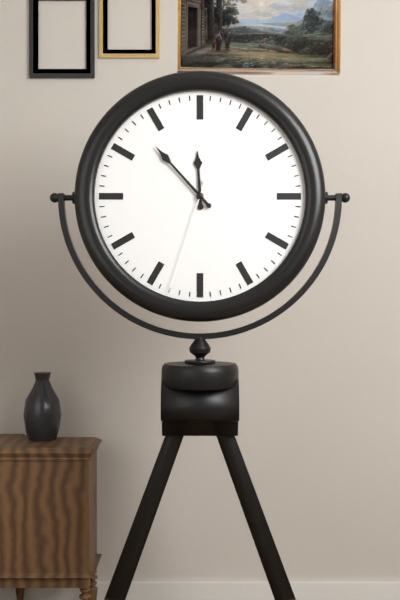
11:53:33
